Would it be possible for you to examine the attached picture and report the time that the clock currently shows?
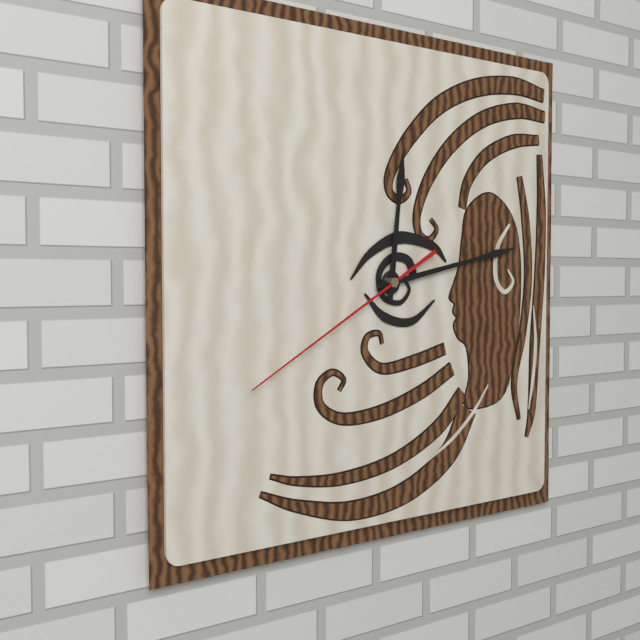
12:13:40
